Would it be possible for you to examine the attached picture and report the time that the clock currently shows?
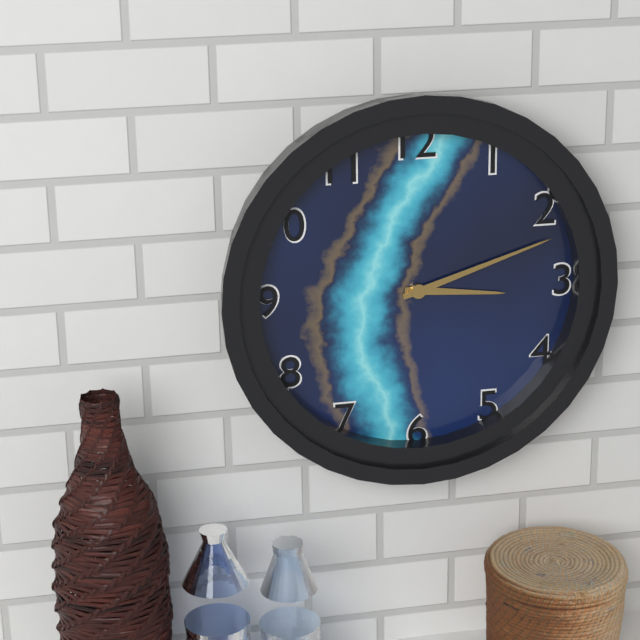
3:12
